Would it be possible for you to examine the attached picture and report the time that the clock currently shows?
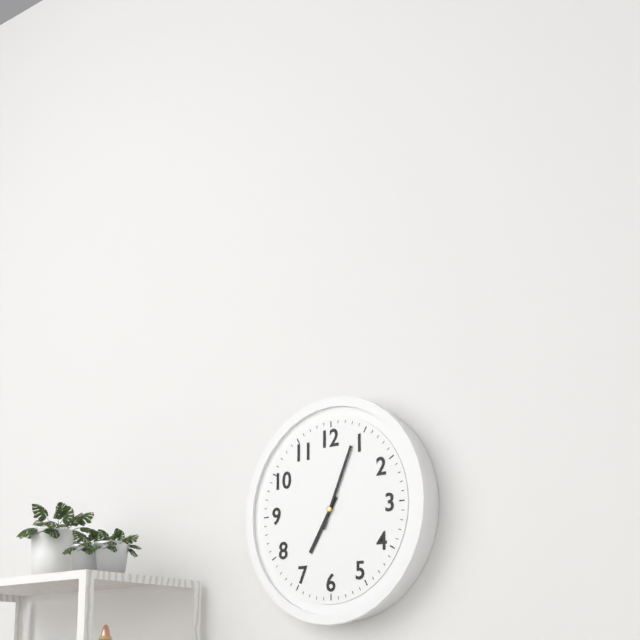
7:04
